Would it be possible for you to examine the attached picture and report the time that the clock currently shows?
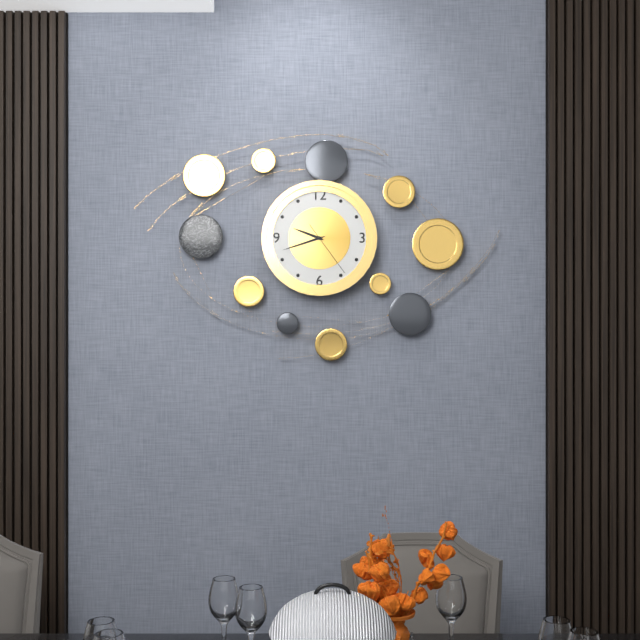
9:42:24
